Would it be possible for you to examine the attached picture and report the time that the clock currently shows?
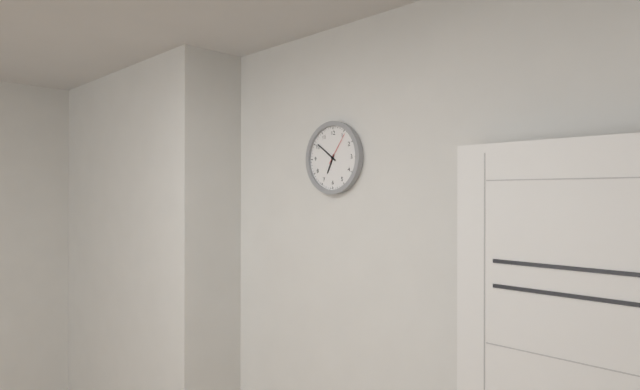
6:51
